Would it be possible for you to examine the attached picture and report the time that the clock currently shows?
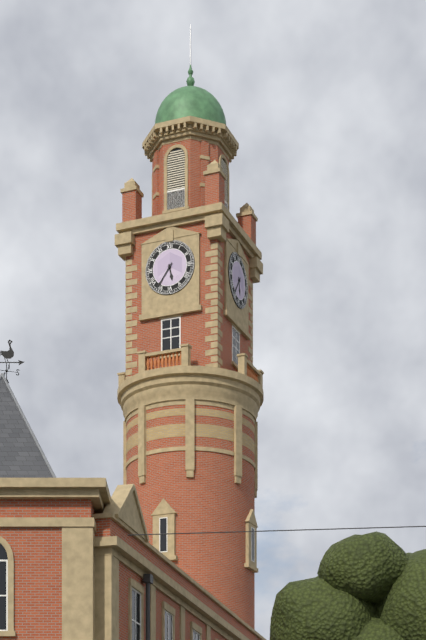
5:36
